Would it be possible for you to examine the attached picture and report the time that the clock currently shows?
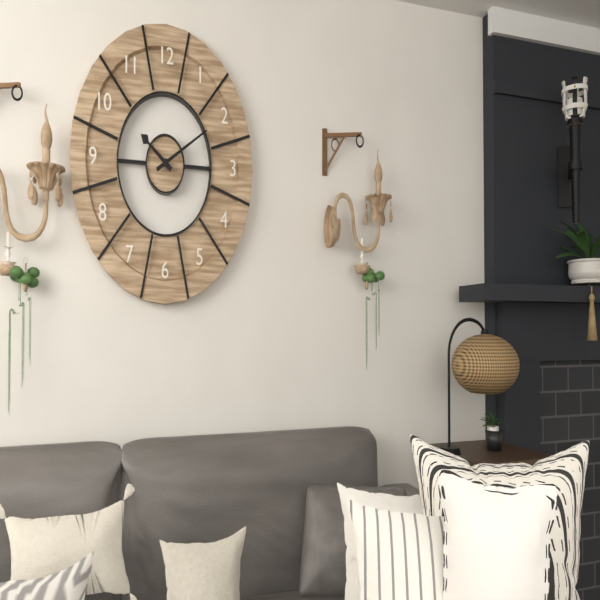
10:10
